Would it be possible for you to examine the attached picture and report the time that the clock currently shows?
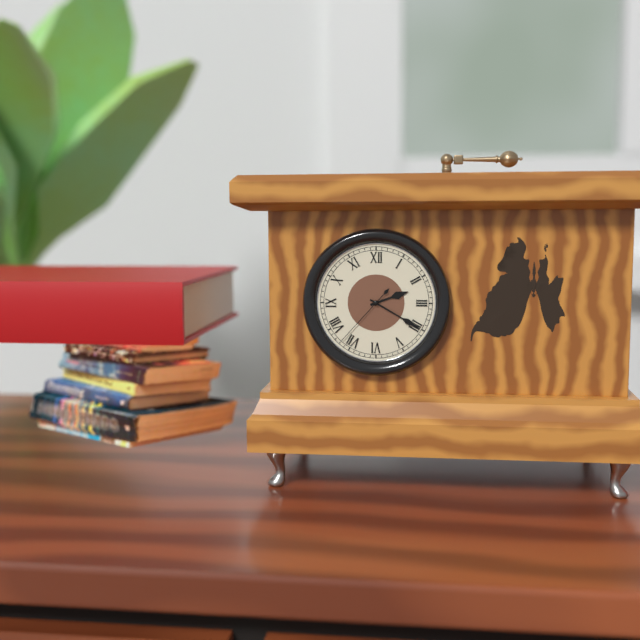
2:20:37
